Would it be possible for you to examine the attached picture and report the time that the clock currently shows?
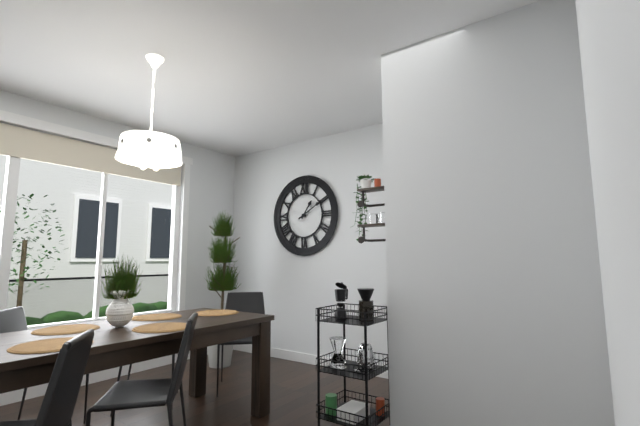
1:10
